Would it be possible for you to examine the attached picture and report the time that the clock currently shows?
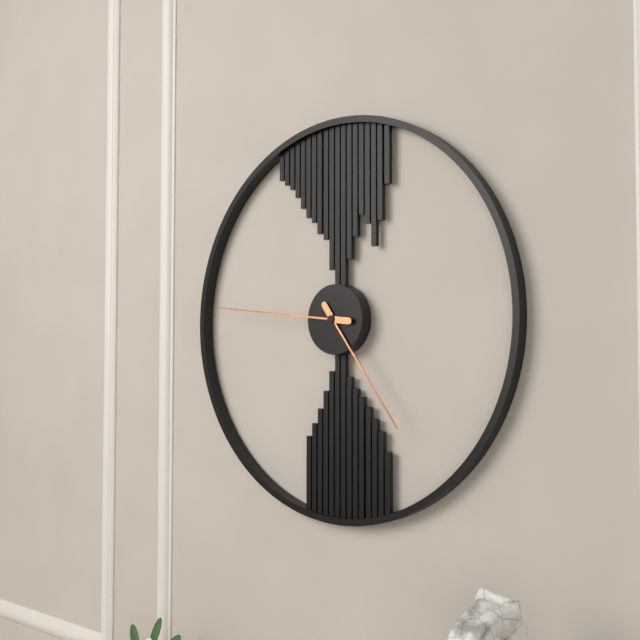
4:46
